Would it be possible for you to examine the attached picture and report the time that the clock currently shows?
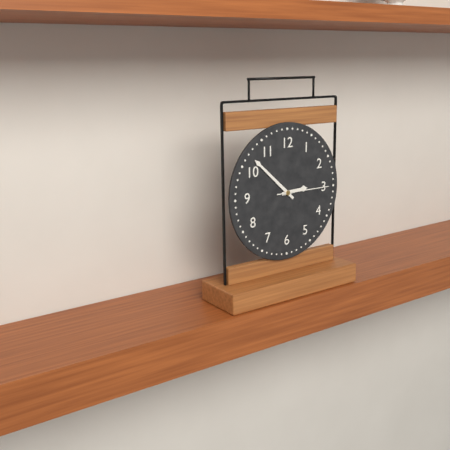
2:52:15
